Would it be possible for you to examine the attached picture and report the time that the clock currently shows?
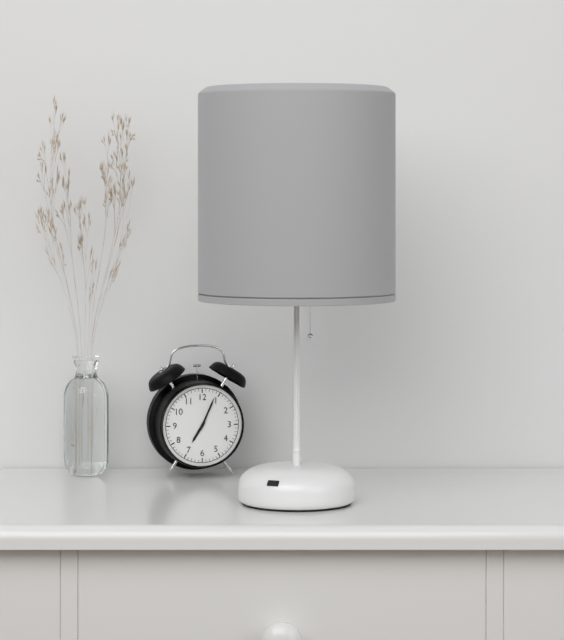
7:04
